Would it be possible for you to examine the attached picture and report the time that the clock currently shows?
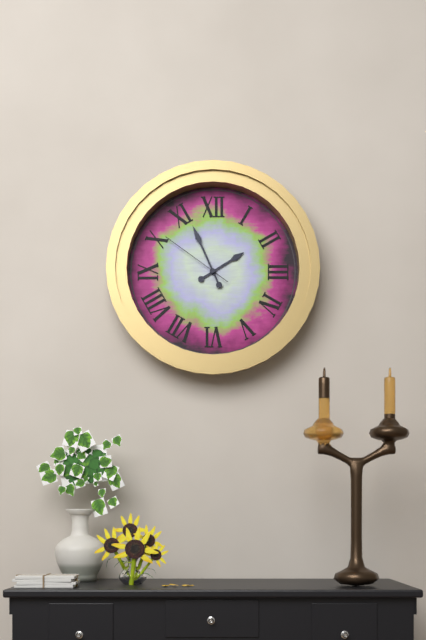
1:56:51
